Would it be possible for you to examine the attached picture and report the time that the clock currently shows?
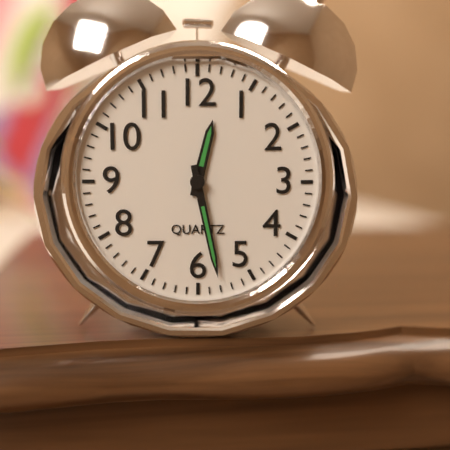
12:28
